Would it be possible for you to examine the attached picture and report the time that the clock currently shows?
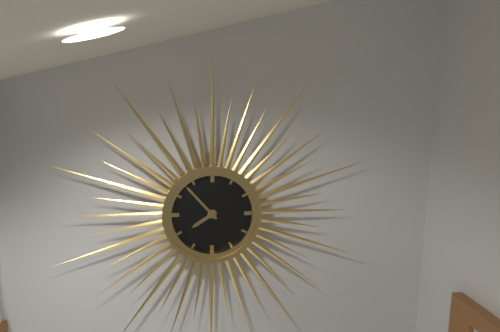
7:53
